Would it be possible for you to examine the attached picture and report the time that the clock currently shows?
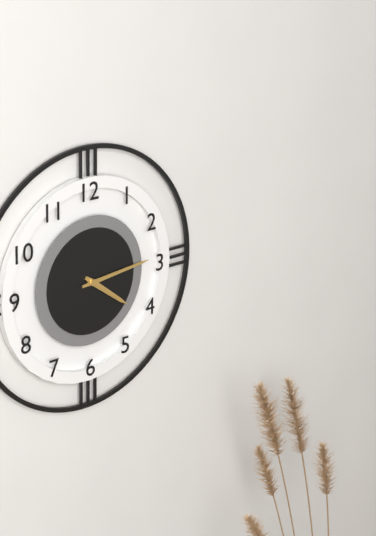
4:14
